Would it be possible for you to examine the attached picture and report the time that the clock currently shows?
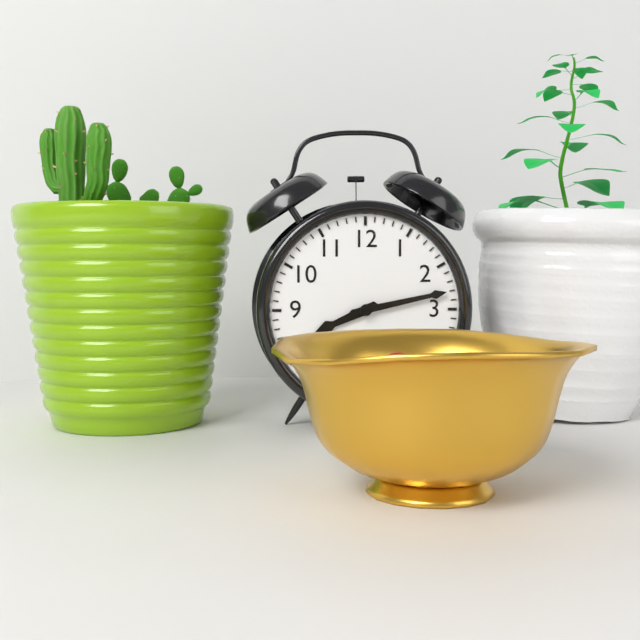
8:13
